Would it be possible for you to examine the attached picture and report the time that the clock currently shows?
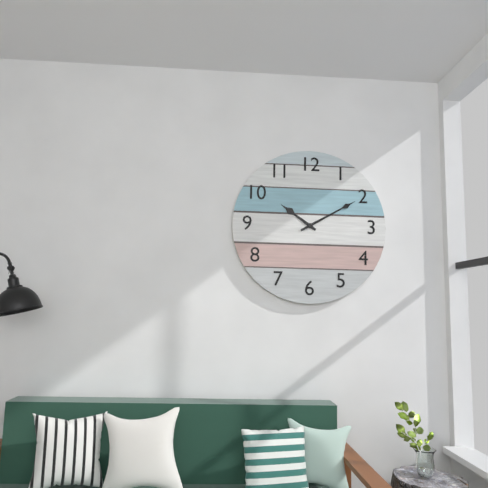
10:10
